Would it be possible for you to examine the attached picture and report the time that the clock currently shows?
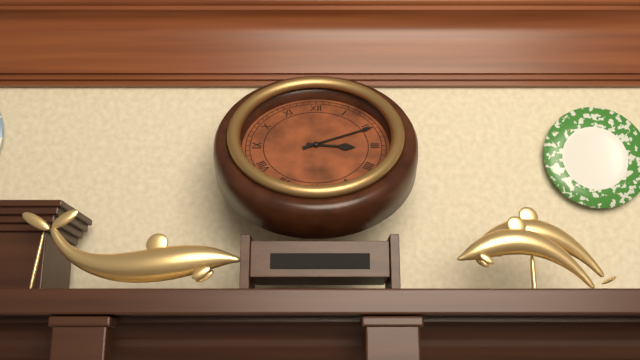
3:11
